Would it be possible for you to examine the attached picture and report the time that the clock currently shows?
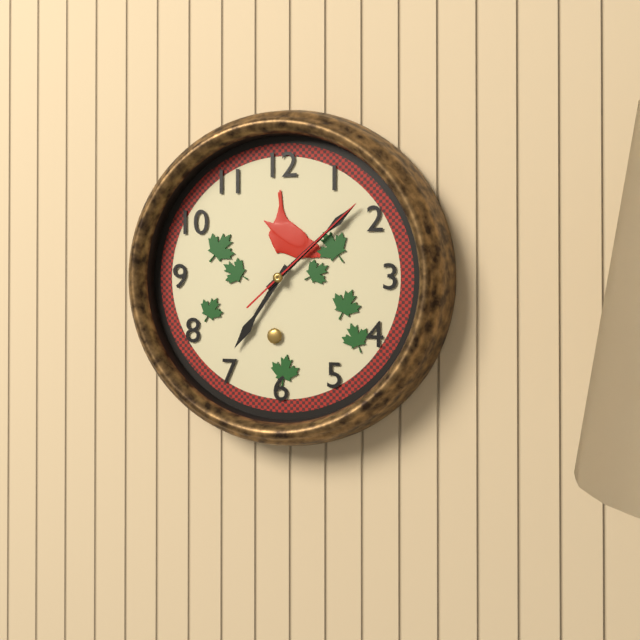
7:08:08
